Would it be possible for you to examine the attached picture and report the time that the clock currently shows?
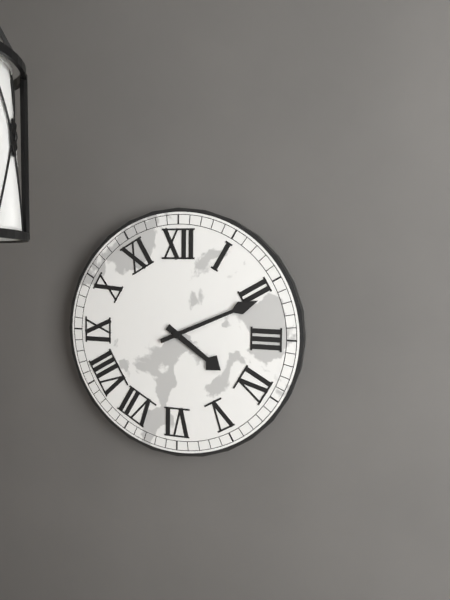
4:11
